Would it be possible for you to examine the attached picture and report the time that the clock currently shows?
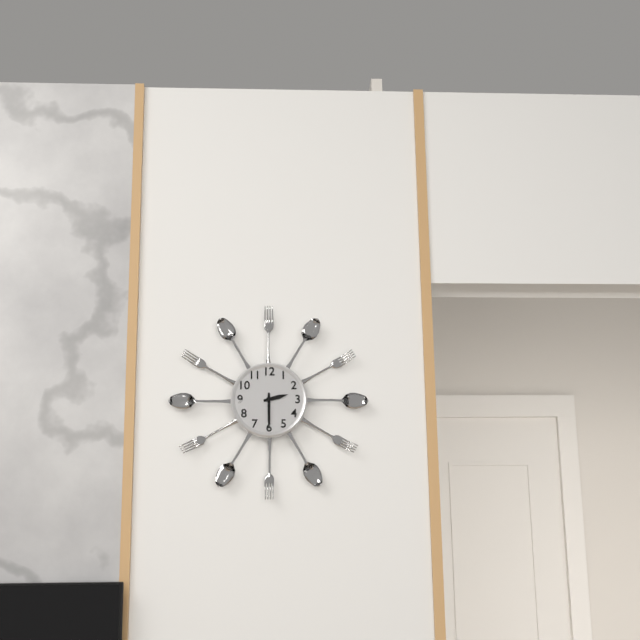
2:30
